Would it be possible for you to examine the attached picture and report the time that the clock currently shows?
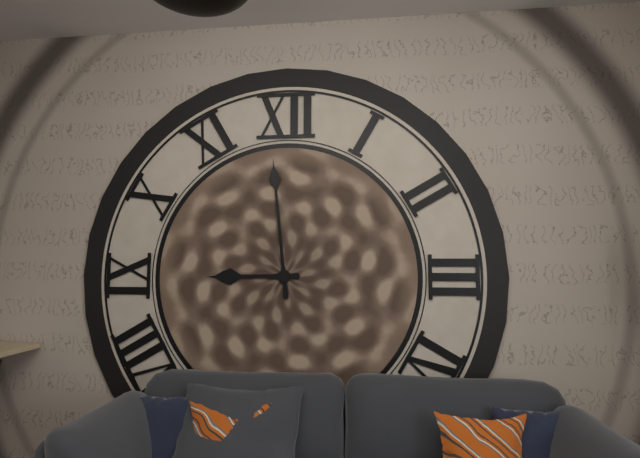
8:59
